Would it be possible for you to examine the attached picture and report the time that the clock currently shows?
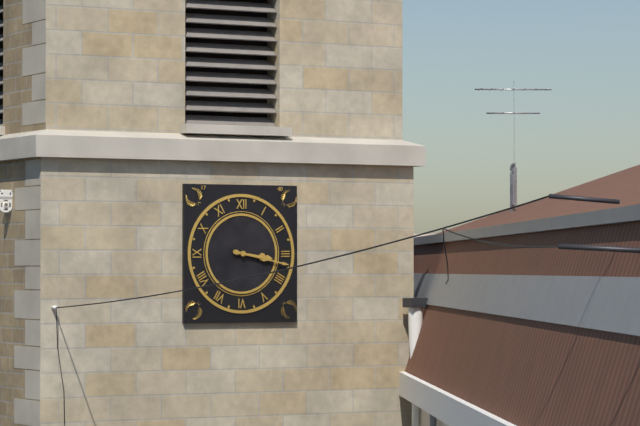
3:17
